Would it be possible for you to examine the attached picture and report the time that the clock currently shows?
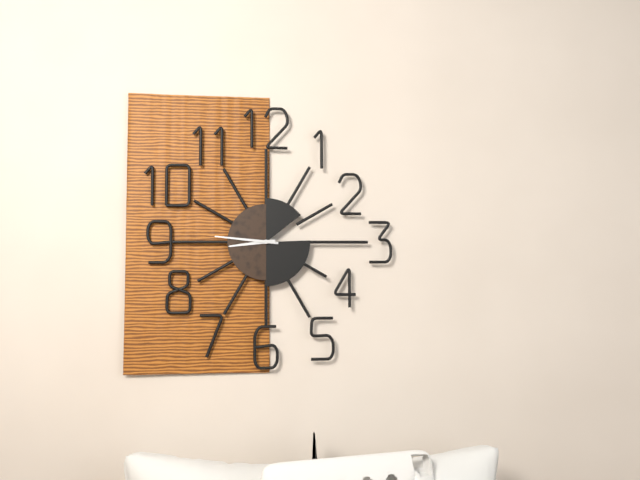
8:46
